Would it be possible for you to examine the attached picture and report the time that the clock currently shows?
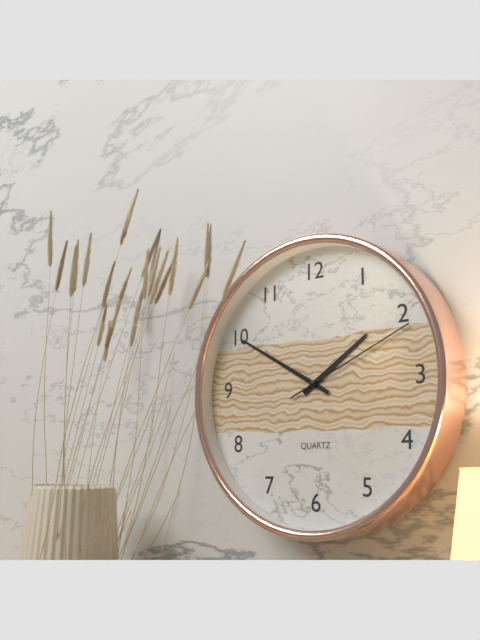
1:50:11
